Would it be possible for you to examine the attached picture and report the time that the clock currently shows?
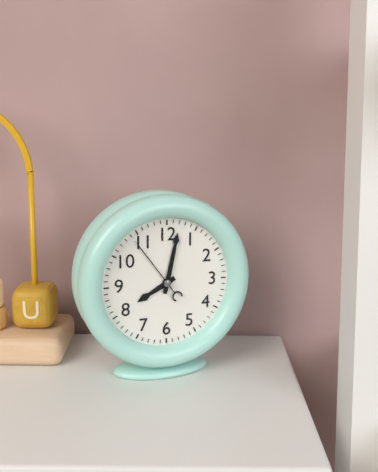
8:02:54
